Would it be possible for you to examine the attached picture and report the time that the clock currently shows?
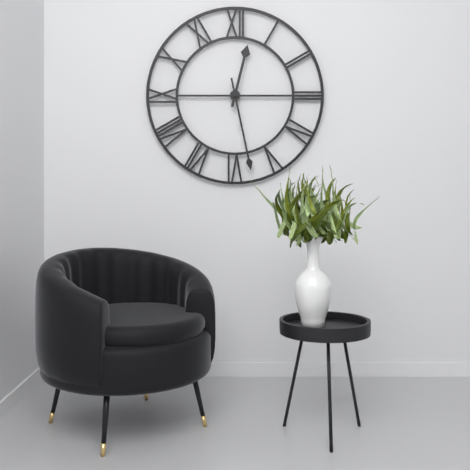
12:28
